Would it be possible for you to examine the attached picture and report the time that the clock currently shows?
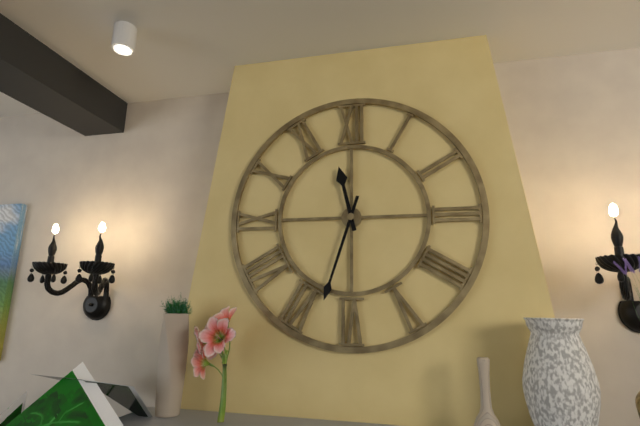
11:33
